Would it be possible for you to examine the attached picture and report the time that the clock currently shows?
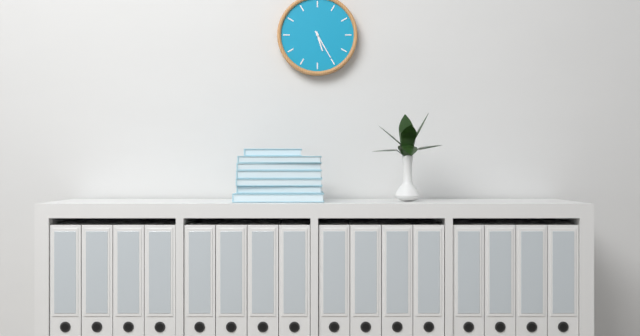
5:25
